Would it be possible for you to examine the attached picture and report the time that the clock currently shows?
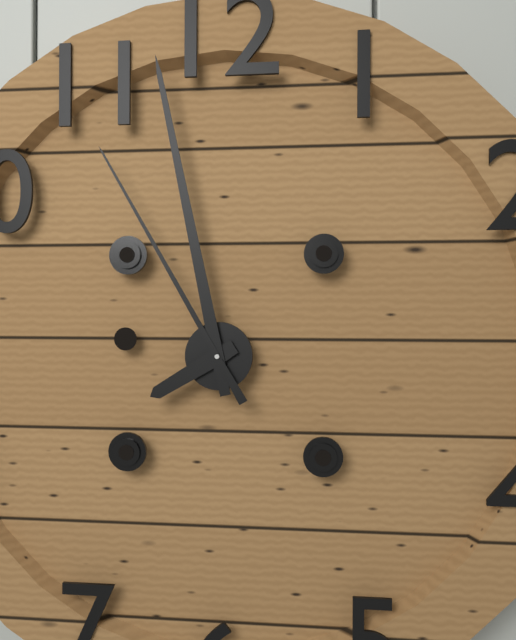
7:58:55
